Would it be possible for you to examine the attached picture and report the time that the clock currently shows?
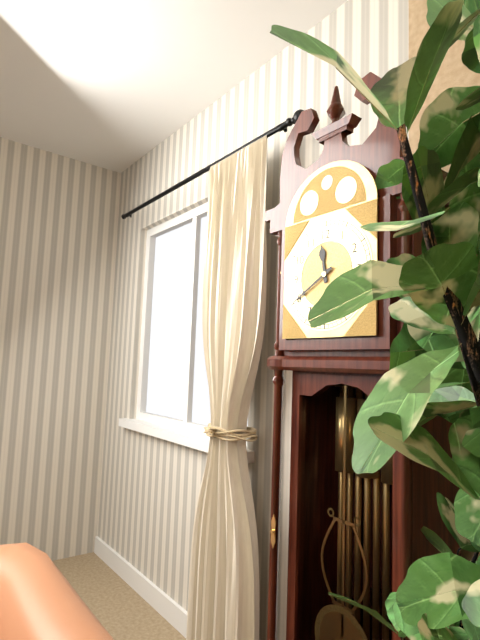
11:40
